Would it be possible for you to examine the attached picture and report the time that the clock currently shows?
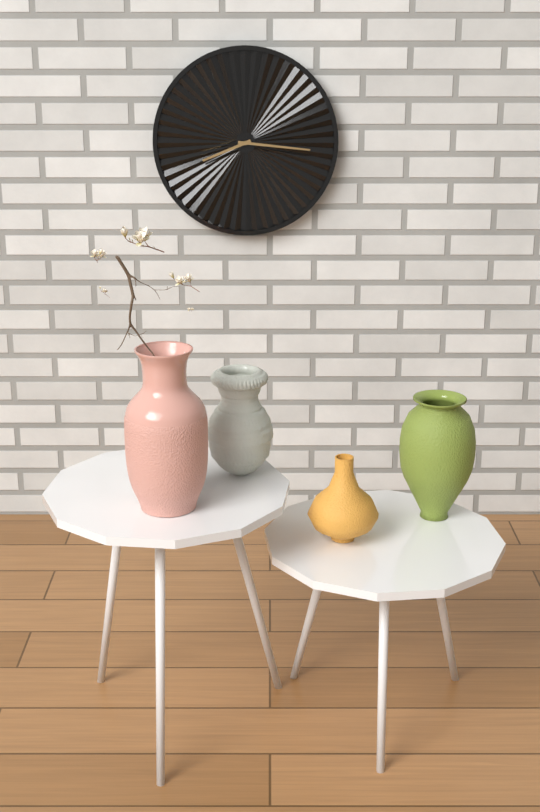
8:16
